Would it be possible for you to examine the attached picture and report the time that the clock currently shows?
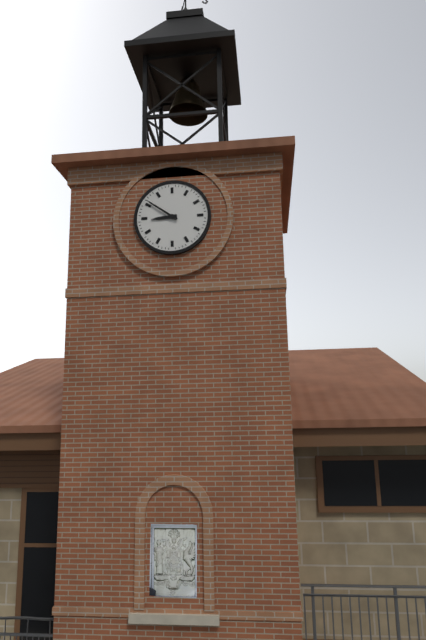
8:51
